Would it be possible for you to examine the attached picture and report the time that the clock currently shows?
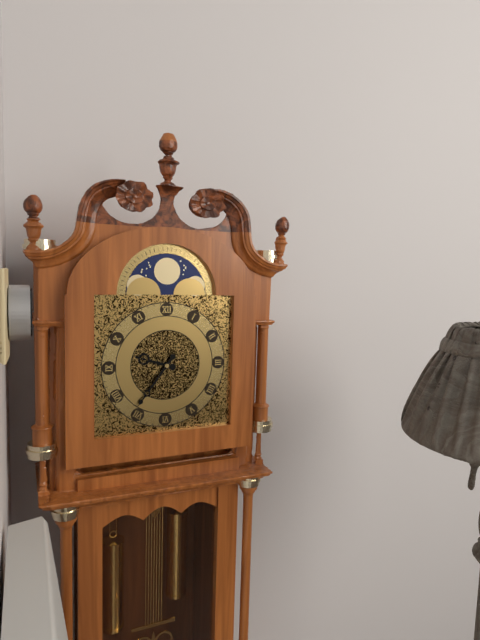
9:36
